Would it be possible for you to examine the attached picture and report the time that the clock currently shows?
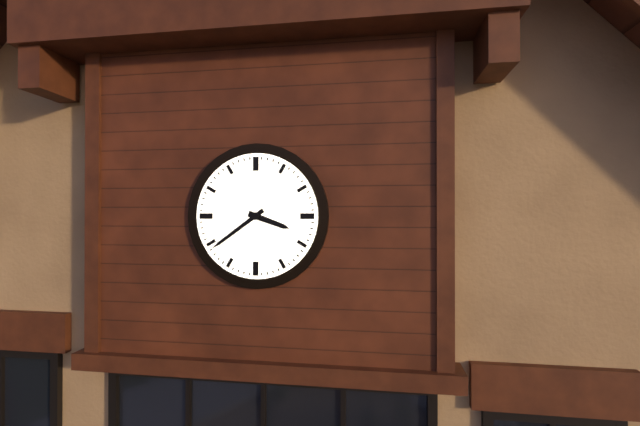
3:39
